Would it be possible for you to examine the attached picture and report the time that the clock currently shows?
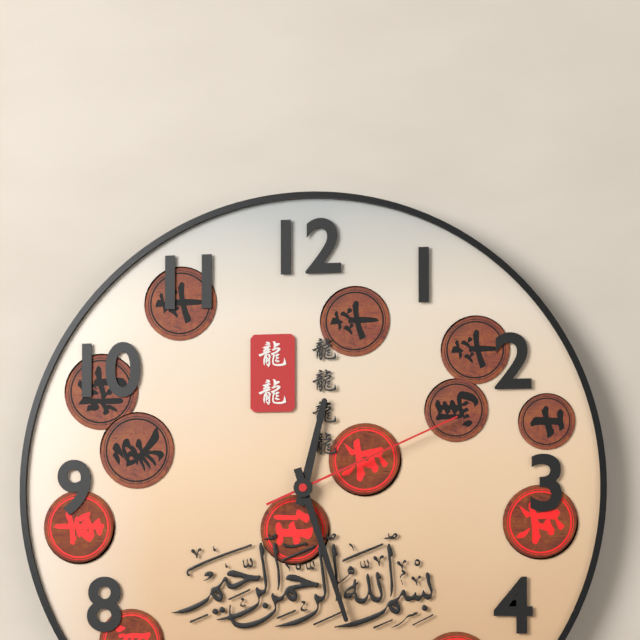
12:27:11
